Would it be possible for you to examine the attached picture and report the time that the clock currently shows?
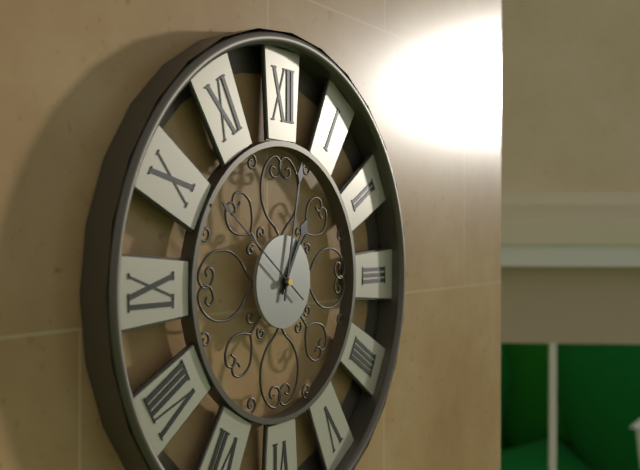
1:02:51
